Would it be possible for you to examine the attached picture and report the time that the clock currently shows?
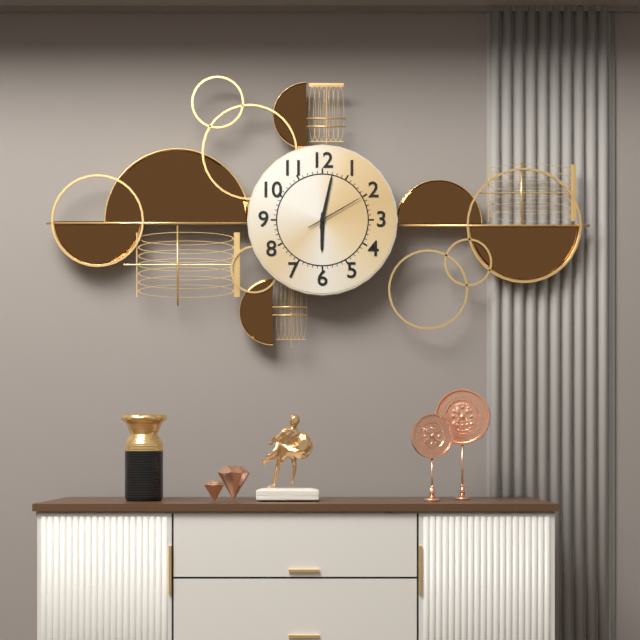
6:02:10
